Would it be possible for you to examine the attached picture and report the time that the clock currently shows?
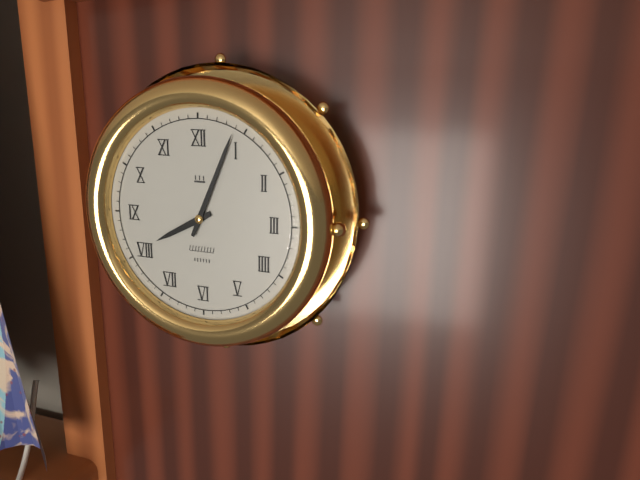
8:04
